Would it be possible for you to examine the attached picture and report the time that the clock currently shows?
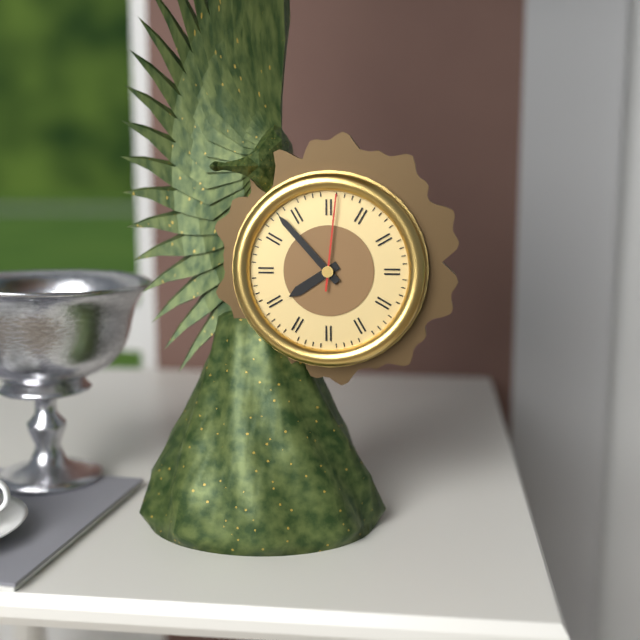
7:53:01
